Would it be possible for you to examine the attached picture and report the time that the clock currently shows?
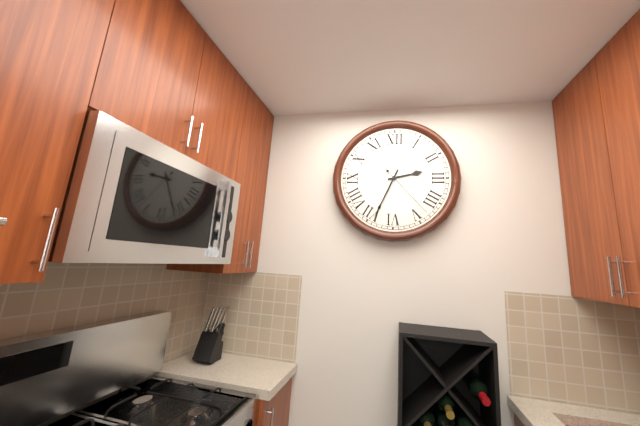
2:34:23
